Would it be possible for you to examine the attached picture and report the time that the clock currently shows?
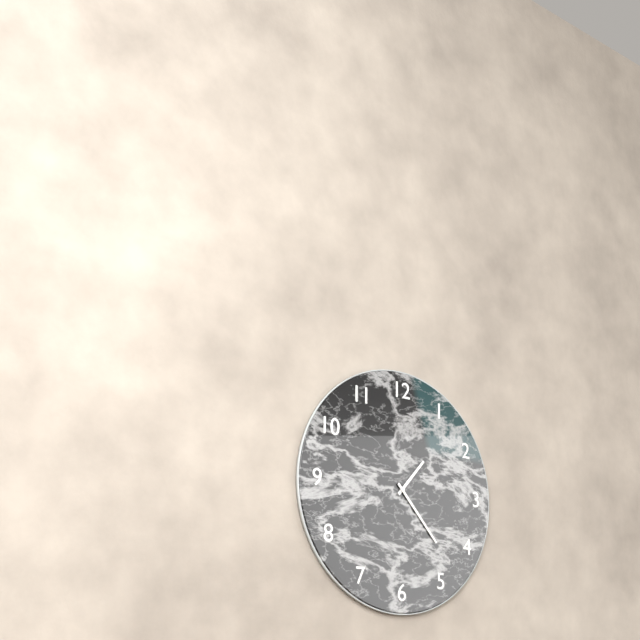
1:23
